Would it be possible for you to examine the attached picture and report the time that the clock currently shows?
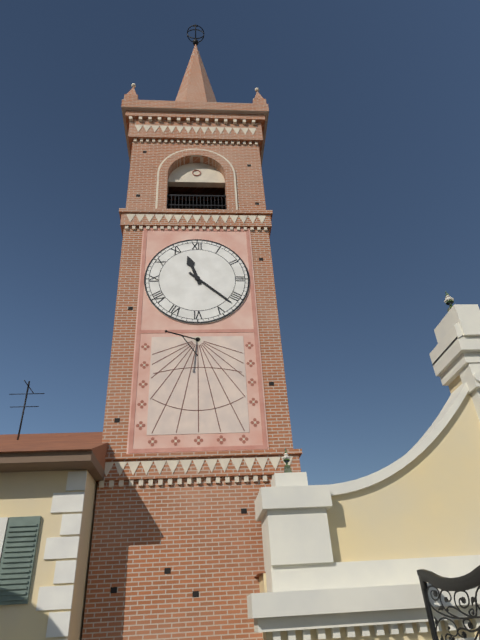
11:22
